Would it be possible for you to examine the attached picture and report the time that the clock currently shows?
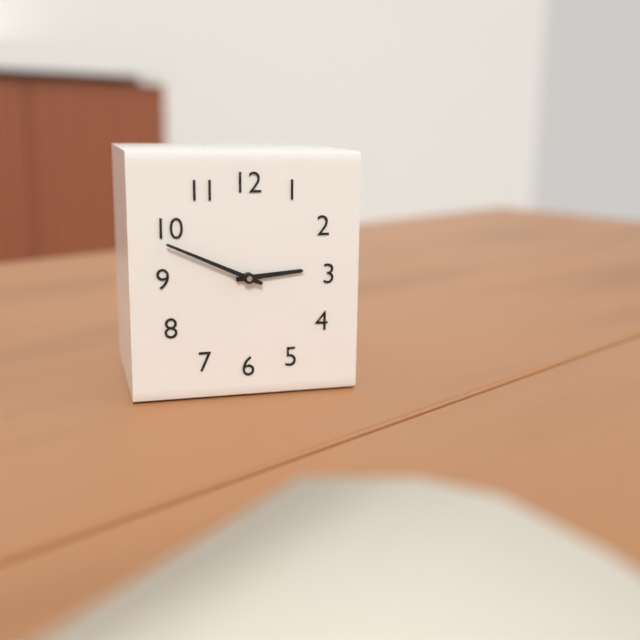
2:49
